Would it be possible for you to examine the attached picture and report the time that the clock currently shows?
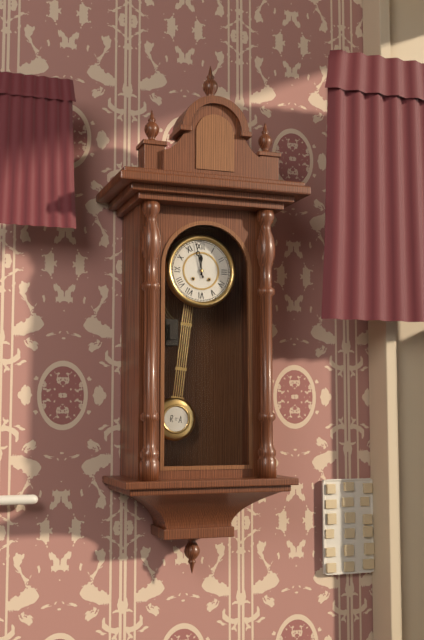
11:58
